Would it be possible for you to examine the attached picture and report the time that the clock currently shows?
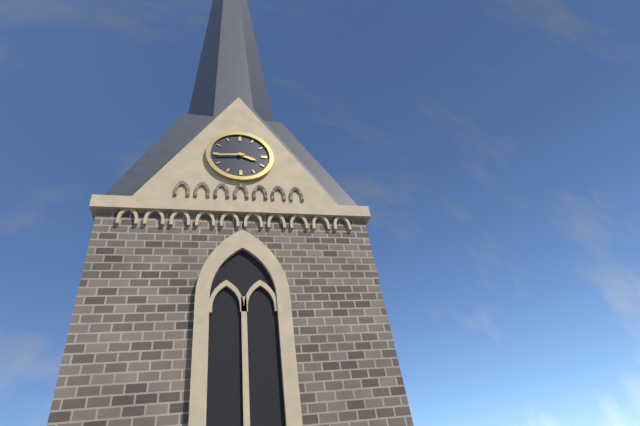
3:44
